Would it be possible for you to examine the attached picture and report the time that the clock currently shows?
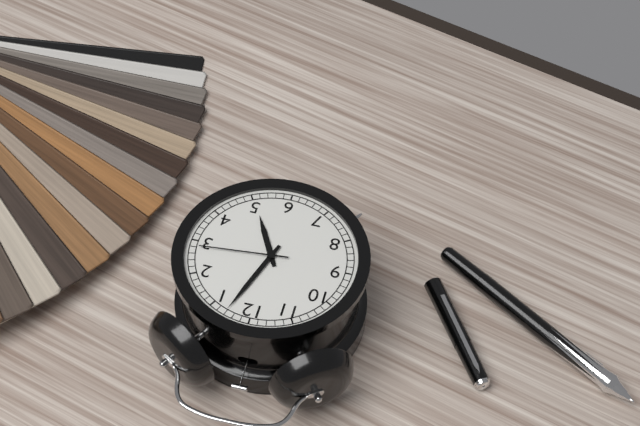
5:03:14
